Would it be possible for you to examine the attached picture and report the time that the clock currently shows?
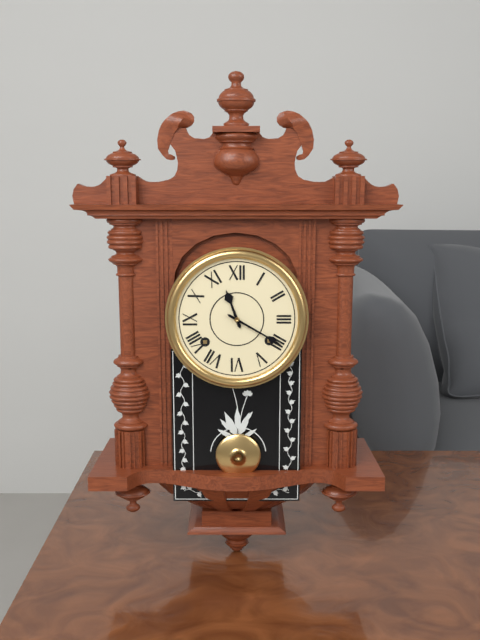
11:20
